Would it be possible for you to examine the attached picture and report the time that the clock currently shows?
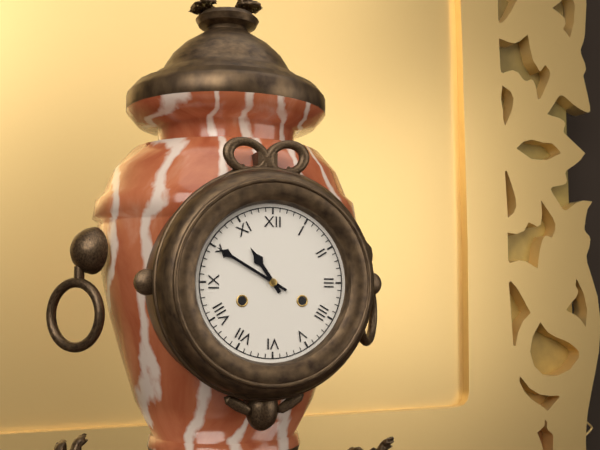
10:50
